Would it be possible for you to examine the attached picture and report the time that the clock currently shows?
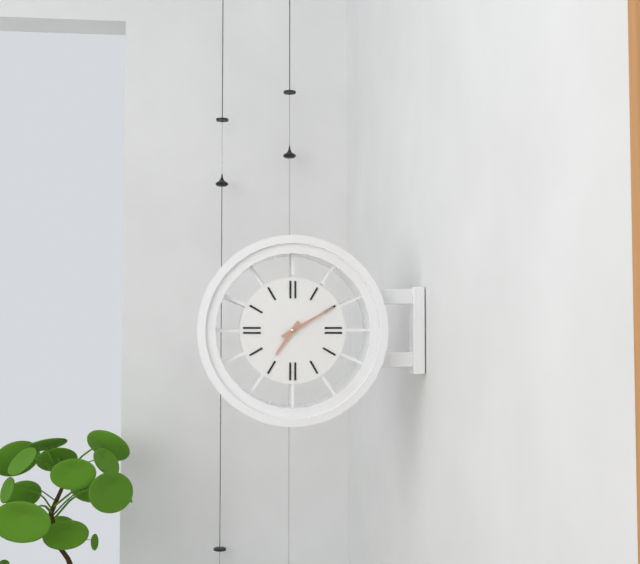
7:10
